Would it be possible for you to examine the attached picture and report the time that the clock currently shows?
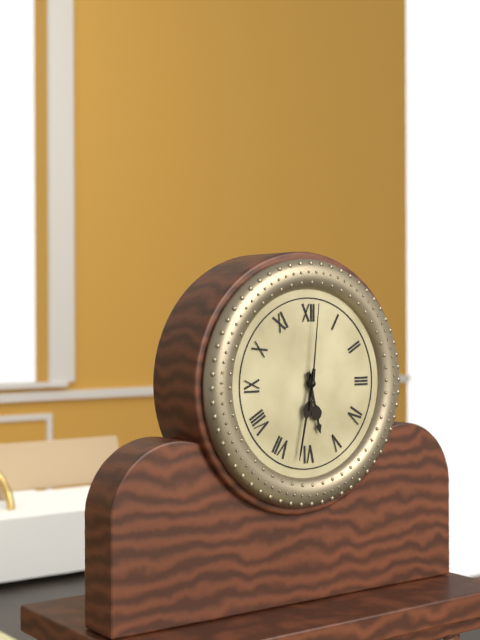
5:32:01
